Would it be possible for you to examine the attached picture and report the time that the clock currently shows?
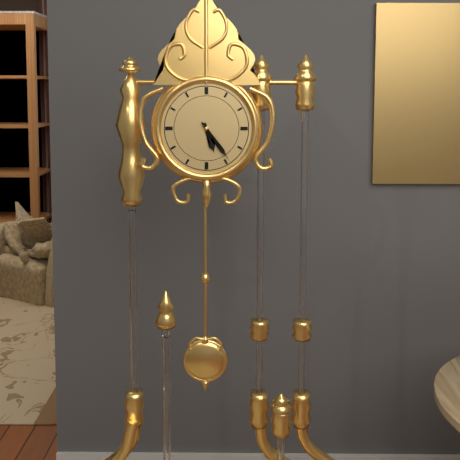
5:24
